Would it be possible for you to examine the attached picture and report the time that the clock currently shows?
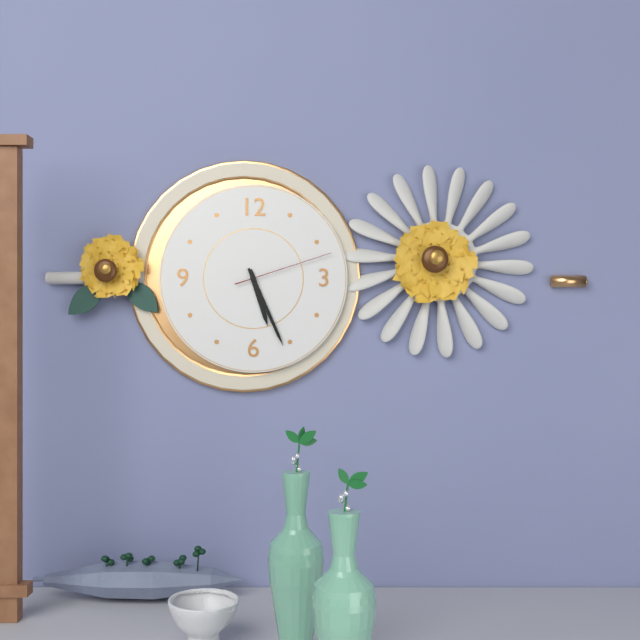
5:26:12
